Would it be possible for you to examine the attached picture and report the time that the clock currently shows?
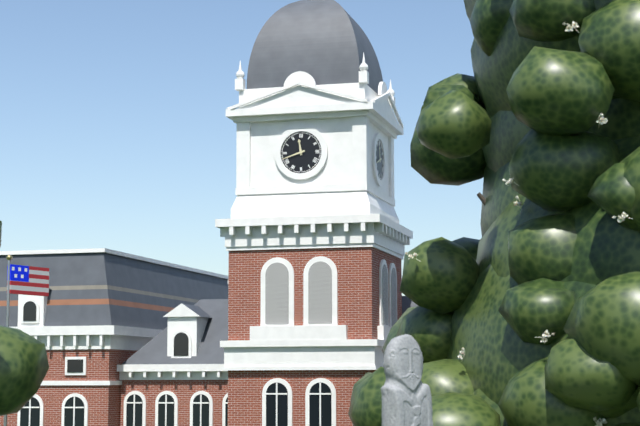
11:42
